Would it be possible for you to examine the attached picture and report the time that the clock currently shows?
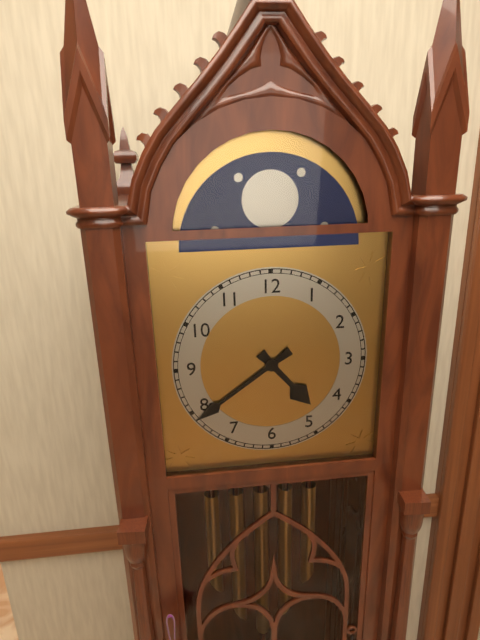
4:39
